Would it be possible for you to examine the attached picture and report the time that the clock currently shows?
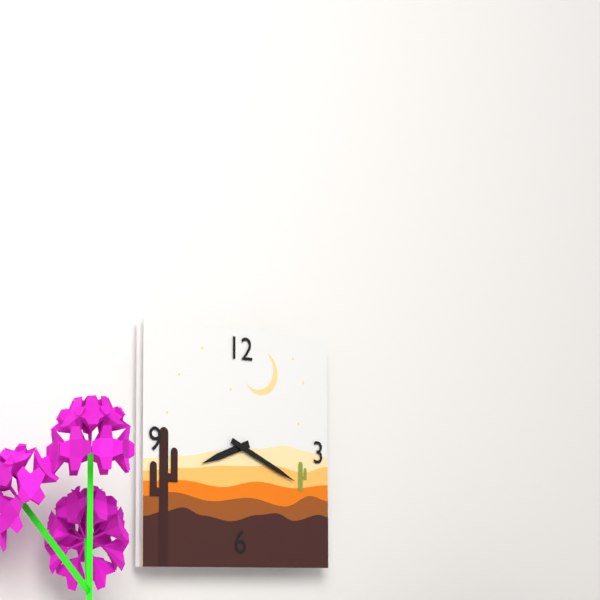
8:19
